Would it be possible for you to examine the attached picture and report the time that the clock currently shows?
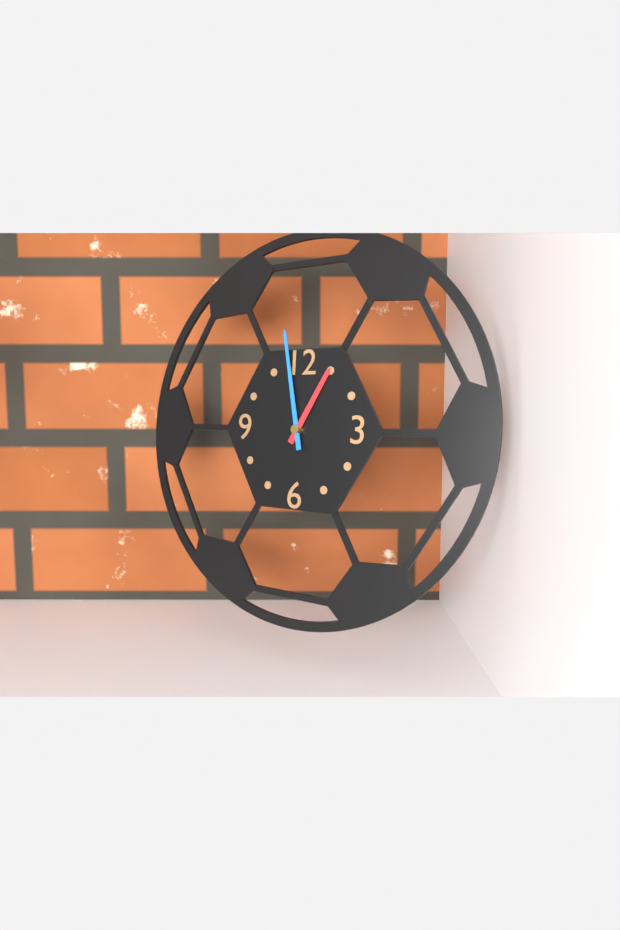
12:58
